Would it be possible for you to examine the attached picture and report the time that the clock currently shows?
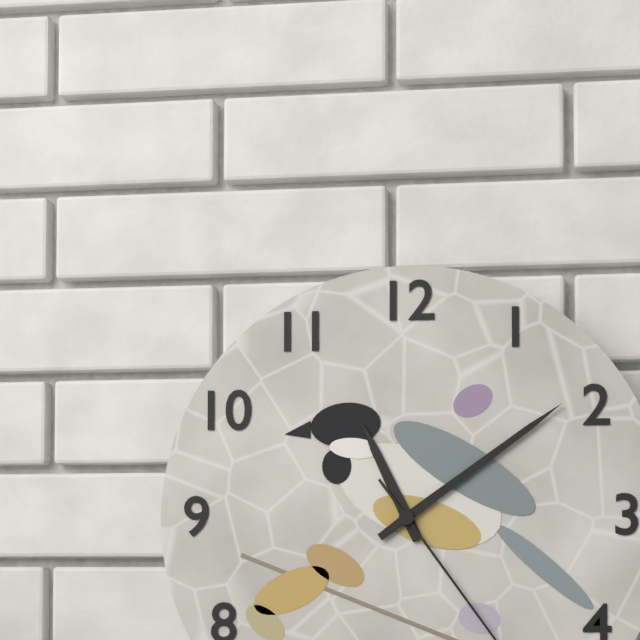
11:09
